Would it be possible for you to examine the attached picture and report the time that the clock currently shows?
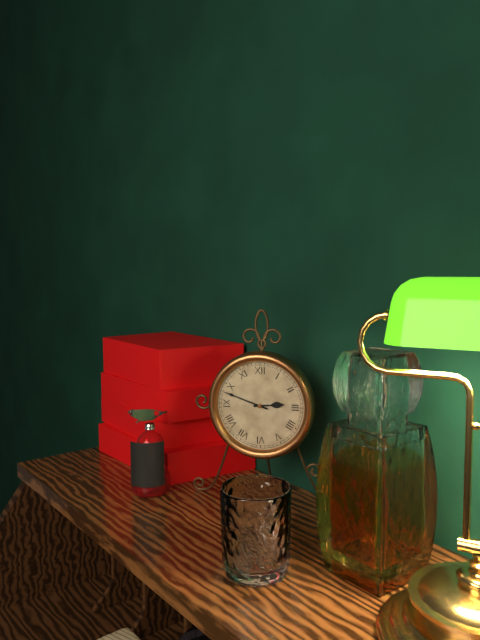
2:48
